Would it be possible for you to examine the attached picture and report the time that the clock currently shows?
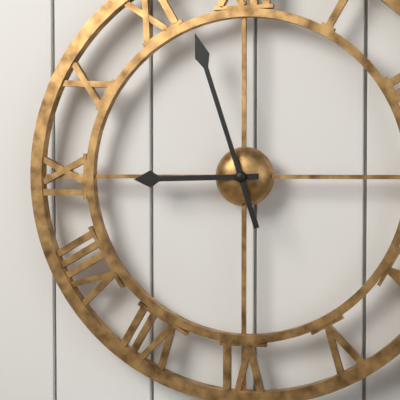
8:57
